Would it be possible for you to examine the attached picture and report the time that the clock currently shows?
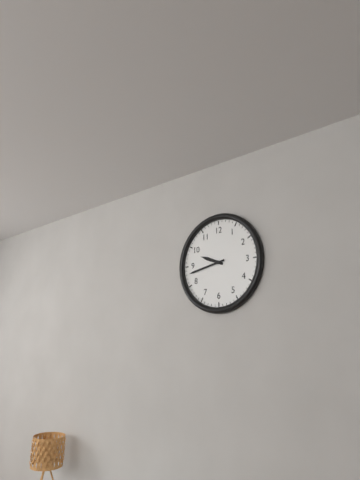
9:43
